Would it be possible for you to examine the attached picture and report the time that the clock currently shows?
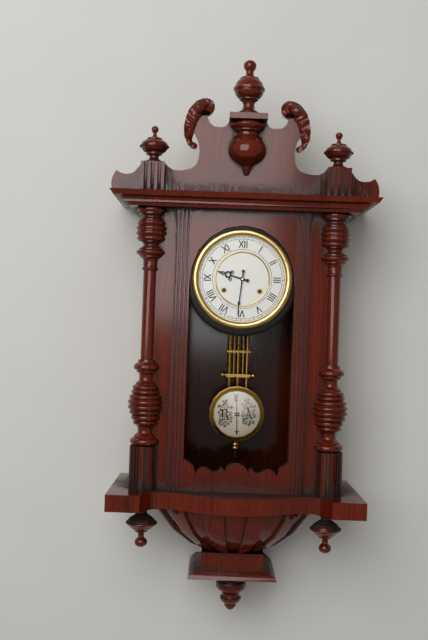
9:31
